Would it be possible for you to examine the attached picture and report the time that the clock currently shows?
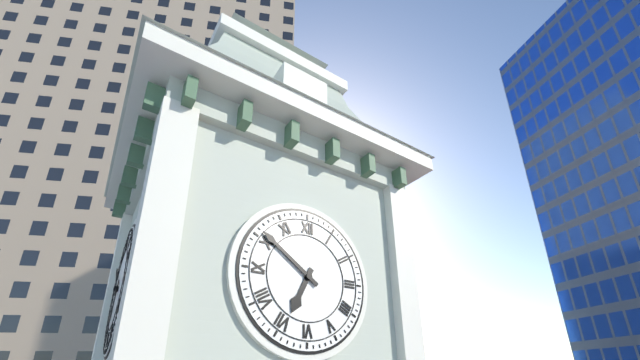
6:51
